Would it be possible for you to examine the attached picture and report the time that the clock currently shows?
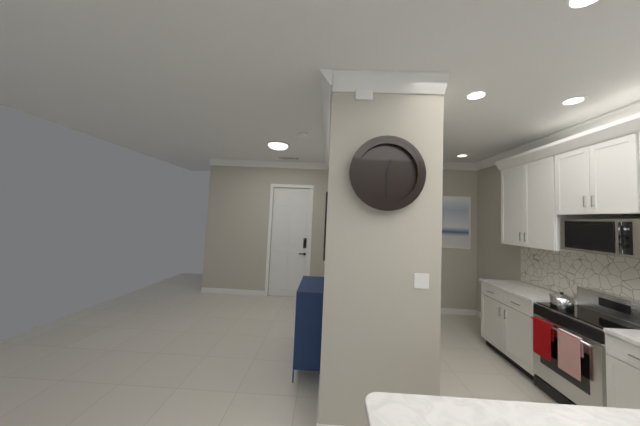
12:30
